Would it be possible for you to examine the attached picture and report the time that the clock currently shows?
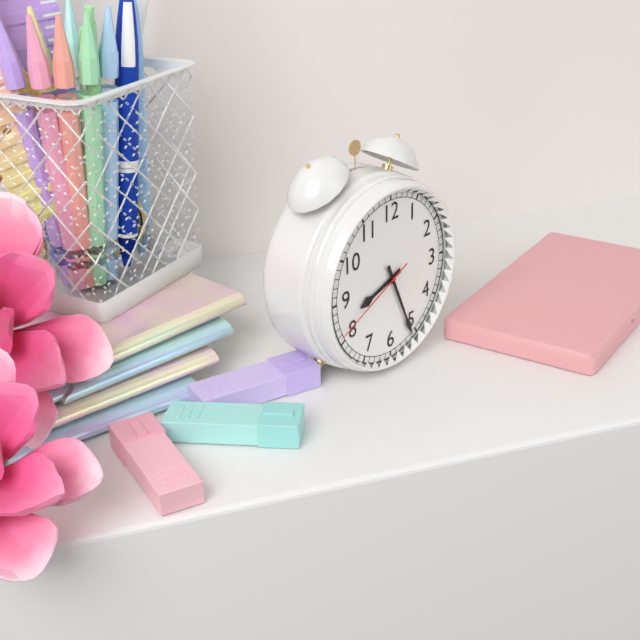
8:26:41
